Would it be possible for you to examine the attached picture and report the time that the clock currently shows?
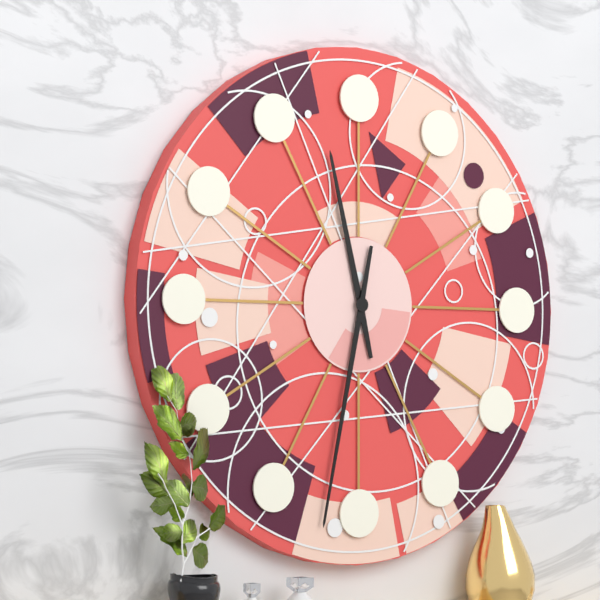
11:32
